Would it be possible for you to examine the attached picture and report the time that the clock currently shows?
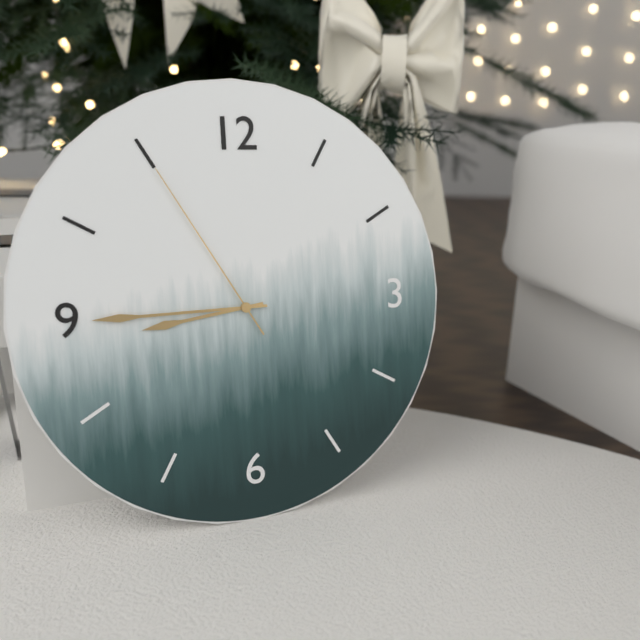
8:45:55
